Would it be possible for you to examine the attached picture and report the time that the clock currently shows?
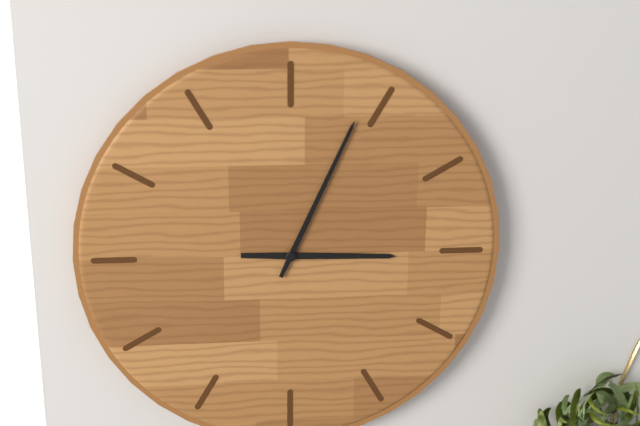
3:04
